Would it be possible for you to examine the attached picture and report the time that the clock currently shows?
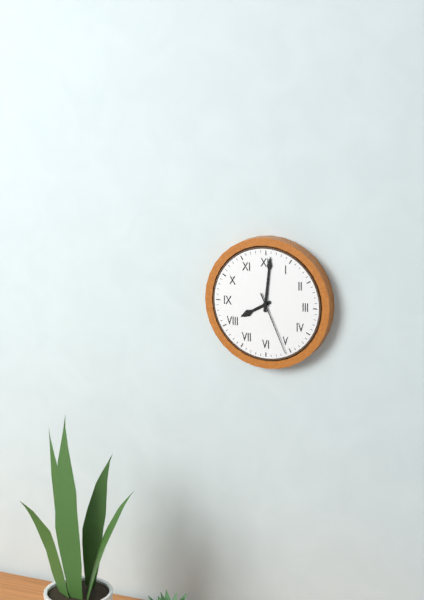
8:01:26
